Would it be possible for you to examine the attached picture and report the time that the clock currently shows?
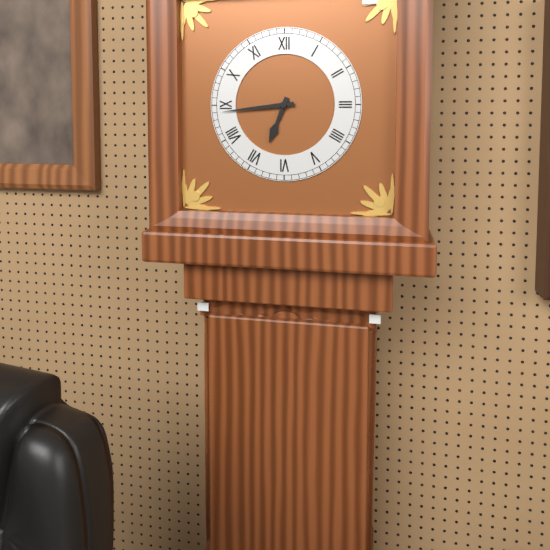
6:44
